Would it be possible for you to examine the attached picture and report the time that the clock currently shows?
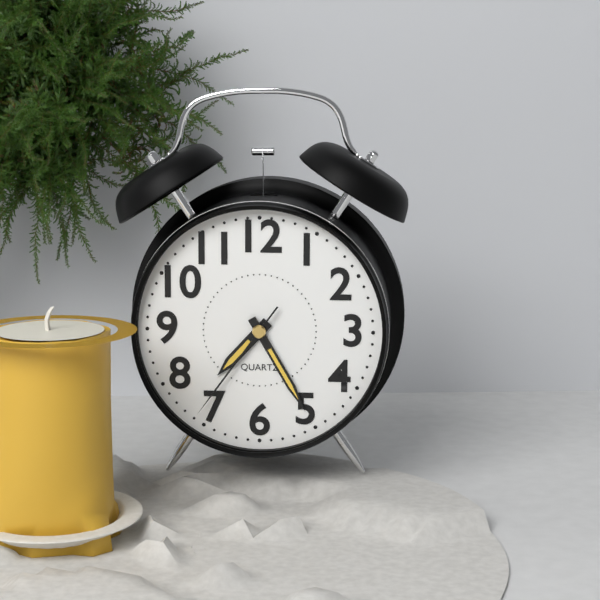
7:25:36
